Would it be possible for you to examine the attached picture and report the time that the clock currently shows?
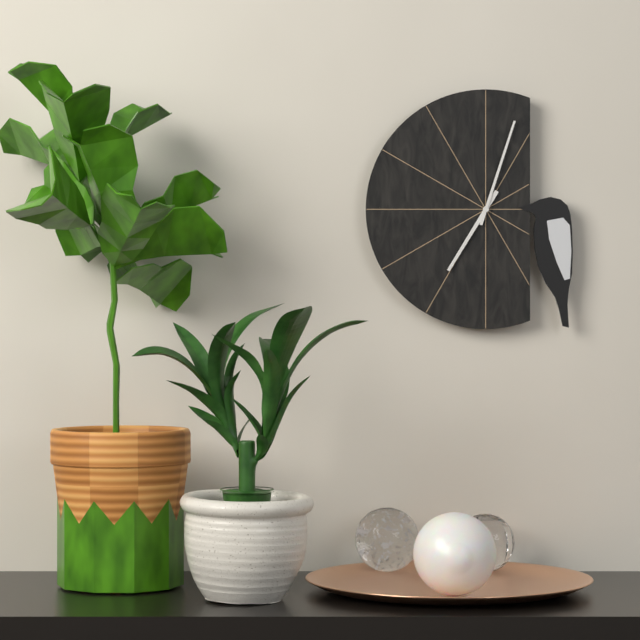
7:03
